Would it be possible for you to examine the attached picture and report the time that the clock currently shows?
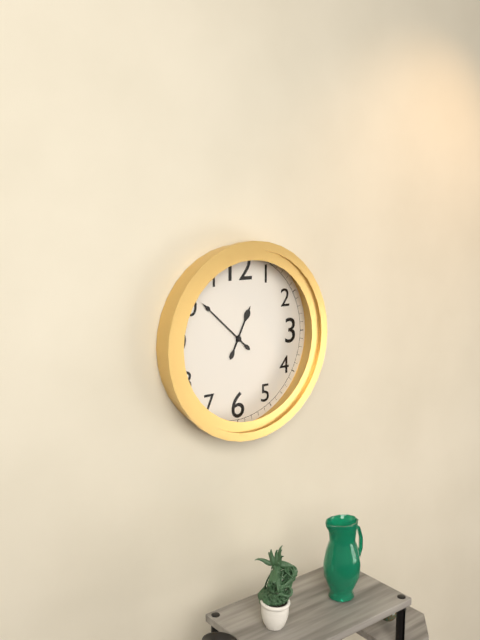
12:52
